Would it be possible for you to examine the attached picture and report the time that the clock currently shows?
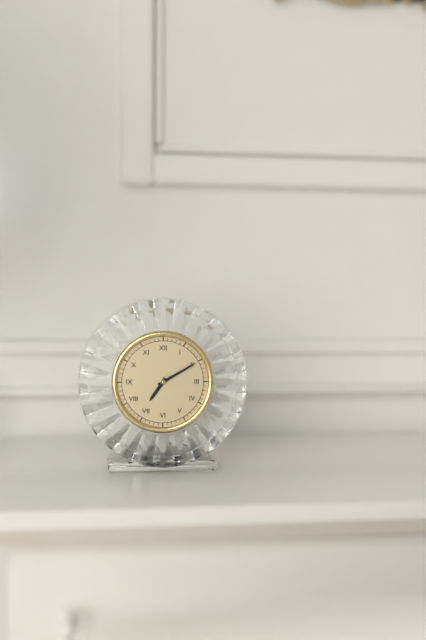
7:10
